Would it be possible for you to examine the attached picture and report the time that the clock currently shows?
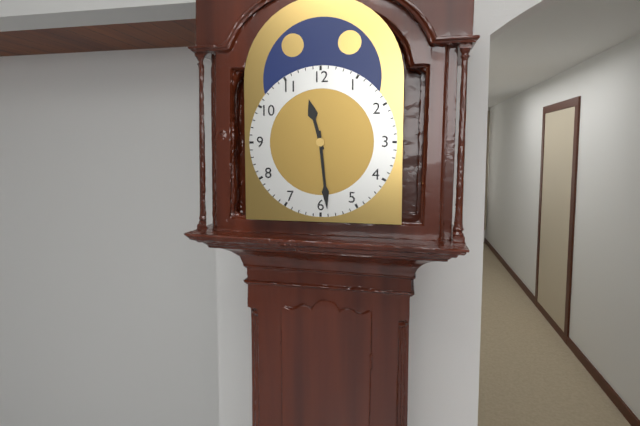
11:29
